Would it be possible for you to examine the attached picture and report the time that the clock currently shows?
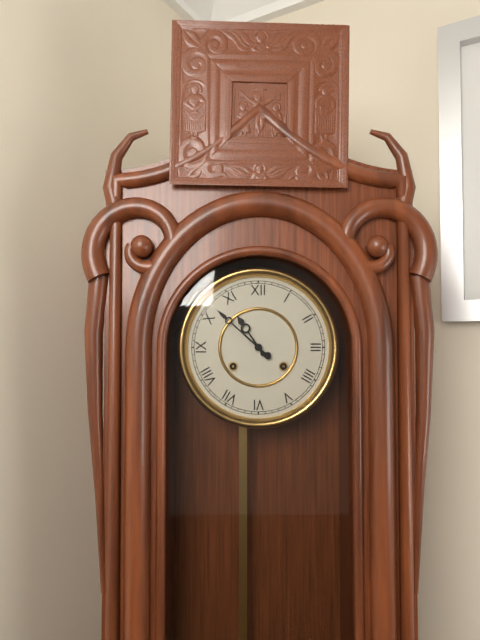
10:52
